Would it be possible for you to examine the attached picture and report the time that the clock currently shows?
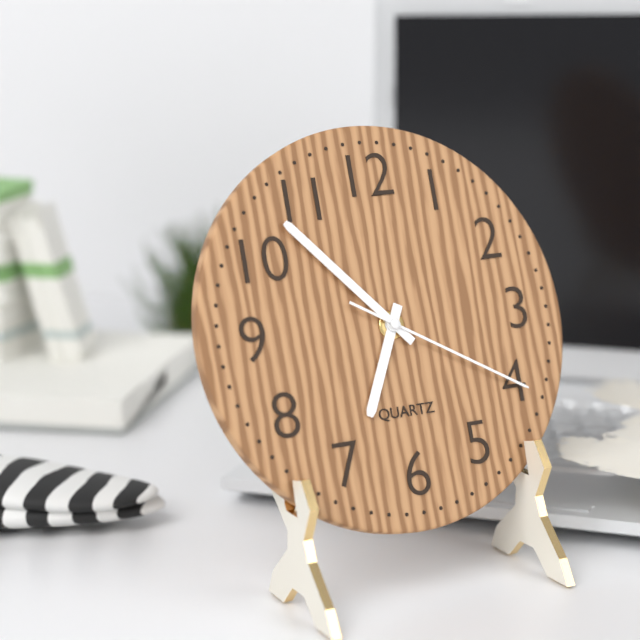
6:53:20
